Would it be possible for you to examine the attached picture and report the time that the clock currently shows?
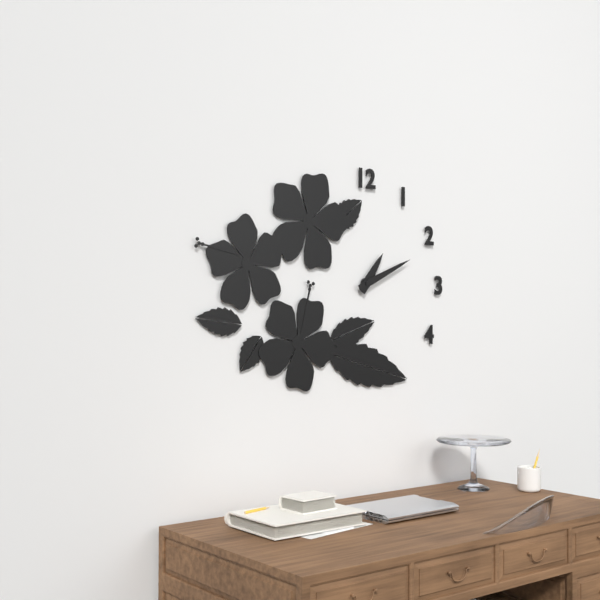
1:11
